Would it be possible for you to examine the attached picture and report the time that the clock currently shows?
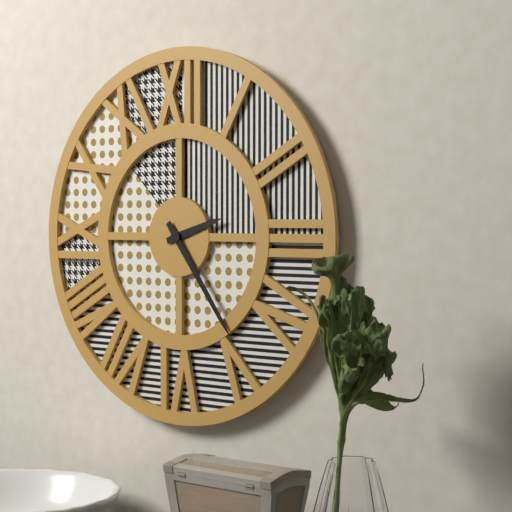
2:24
